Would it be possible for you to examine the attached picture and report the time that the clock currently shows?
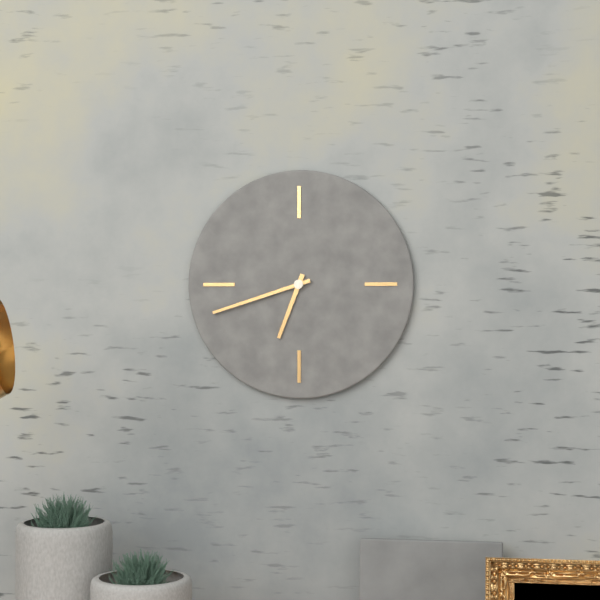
6:42
